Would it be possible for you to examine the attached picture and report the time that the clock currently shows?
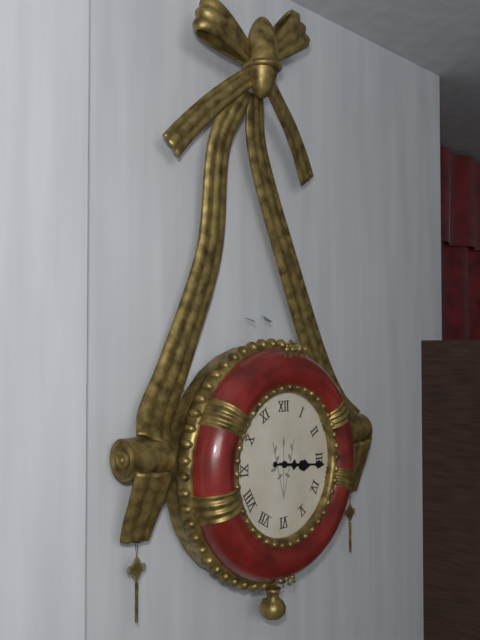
3:16
